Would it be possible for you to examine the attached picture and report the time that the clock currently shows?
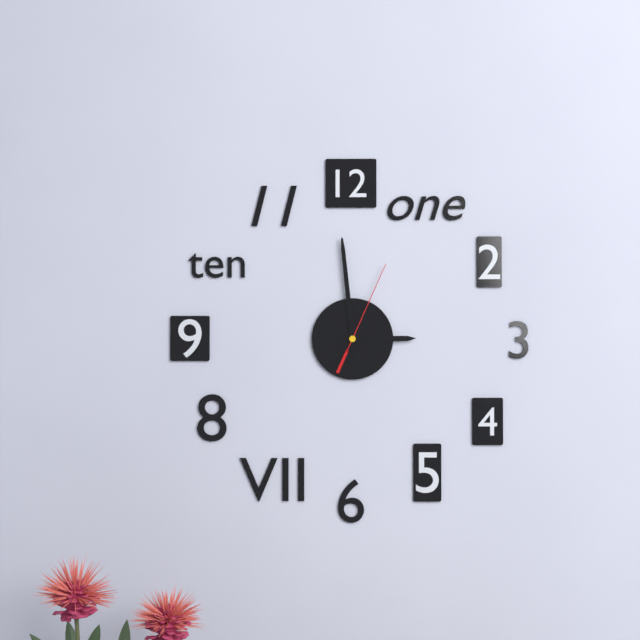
2:59:04
